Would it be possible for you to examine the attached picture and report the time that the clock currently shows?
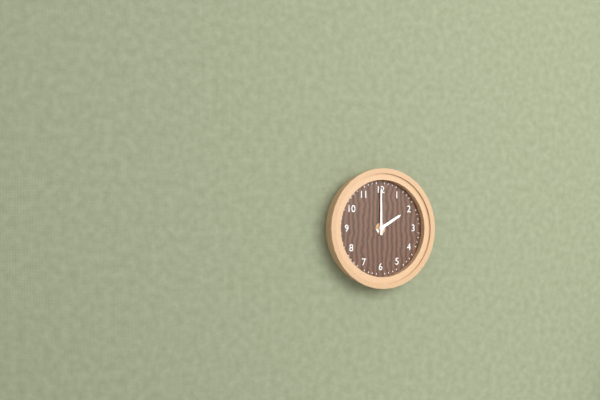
2:00
